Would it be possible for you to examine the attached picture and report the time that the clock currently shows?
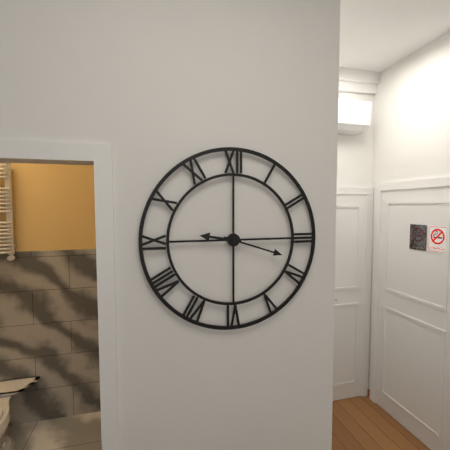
9:18
